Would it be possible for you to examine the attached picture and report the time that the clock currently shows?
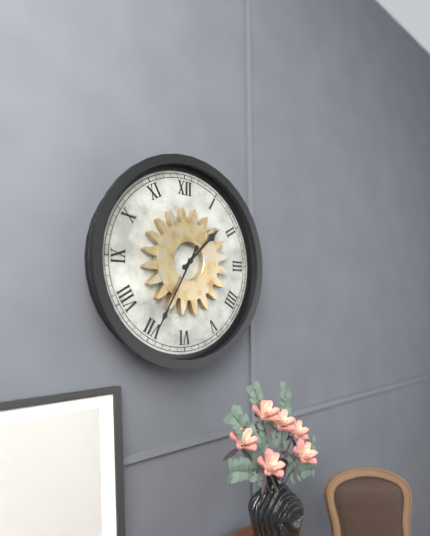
1:35
